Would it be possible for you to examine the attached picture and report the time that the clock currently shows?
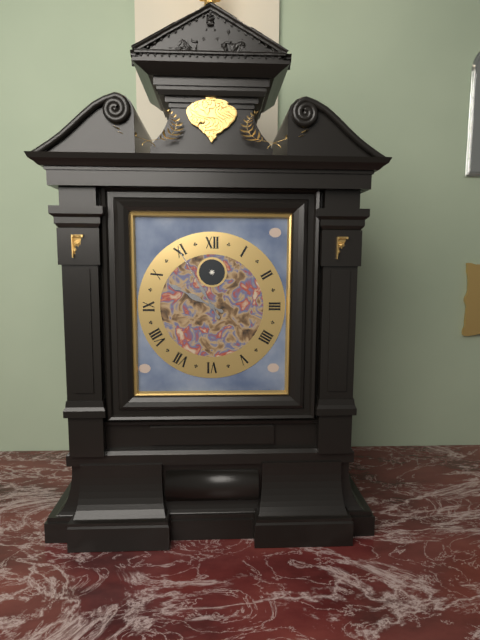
9:55
